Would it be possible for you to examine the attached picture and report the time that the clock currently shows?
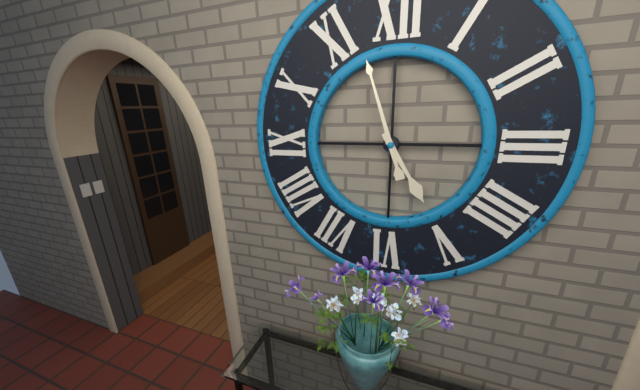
4:57
